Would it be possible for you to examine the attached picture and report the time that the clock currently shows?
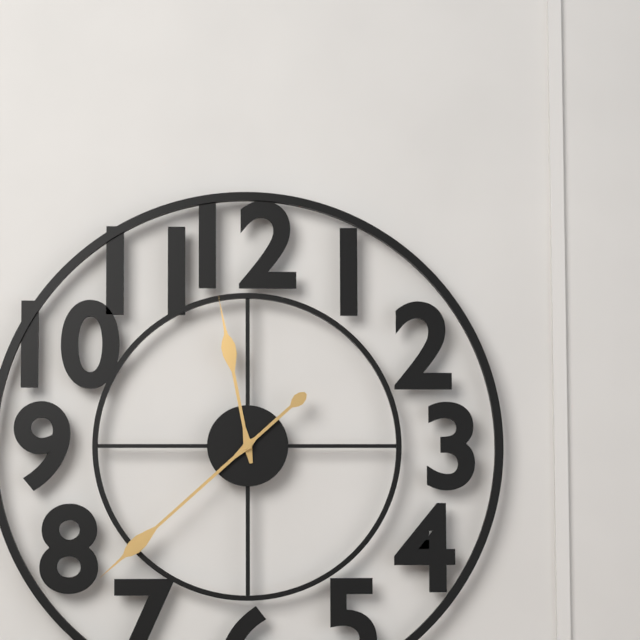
11:38
